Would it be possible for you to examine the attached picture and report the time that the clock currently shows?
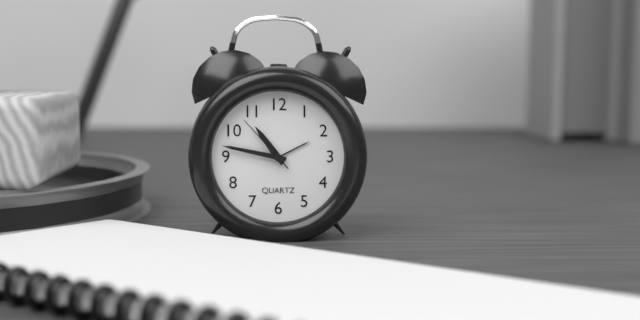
10:47:53
